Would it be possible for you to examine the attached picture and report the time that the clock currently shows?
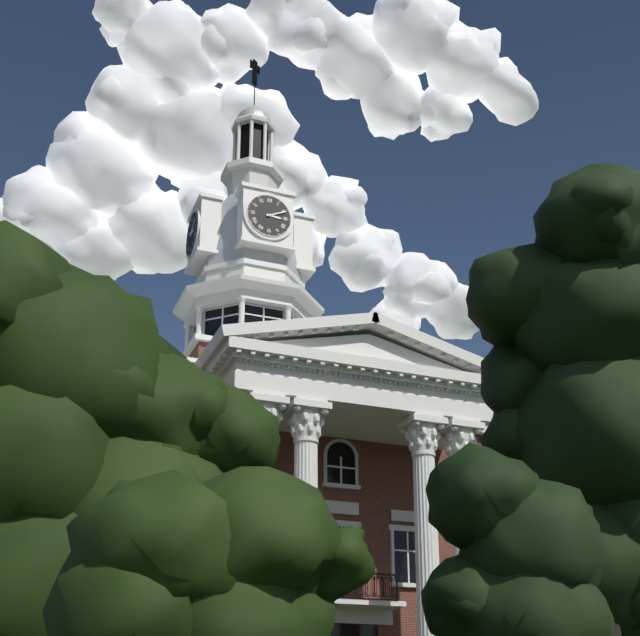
3:11
